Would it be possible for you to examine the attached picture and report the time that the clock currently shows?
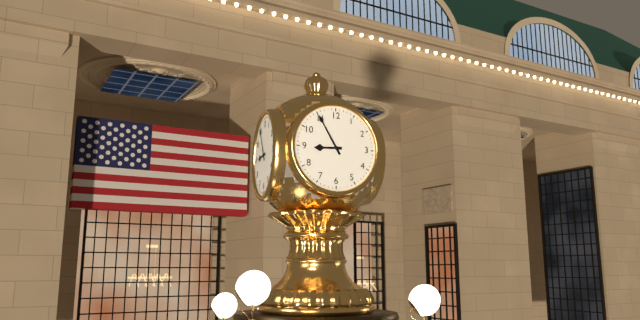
8:55
